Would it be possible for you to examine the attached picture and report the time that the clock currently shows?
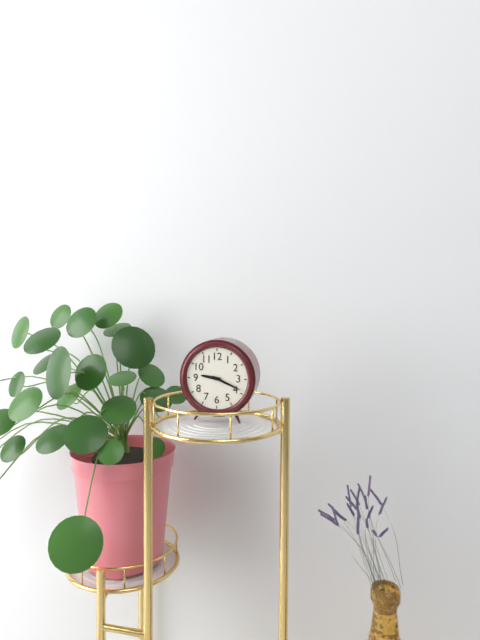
9:19
